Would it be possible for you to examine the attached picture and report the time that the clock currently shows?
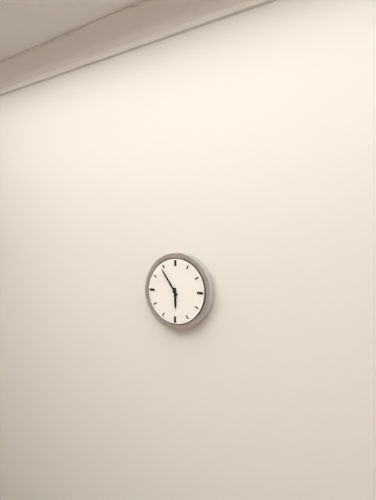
5:54
